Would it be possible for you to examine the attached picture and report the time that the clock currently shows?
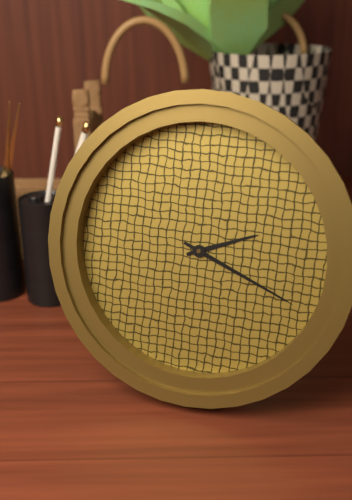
2:19
